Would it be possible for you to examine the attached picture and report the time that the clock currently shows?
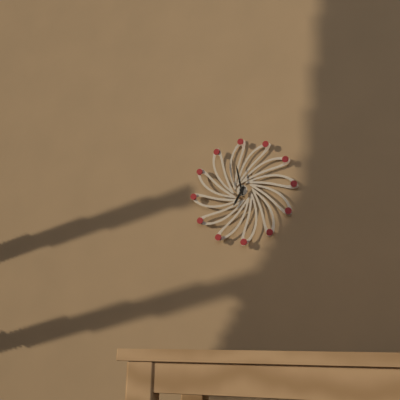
6:58
